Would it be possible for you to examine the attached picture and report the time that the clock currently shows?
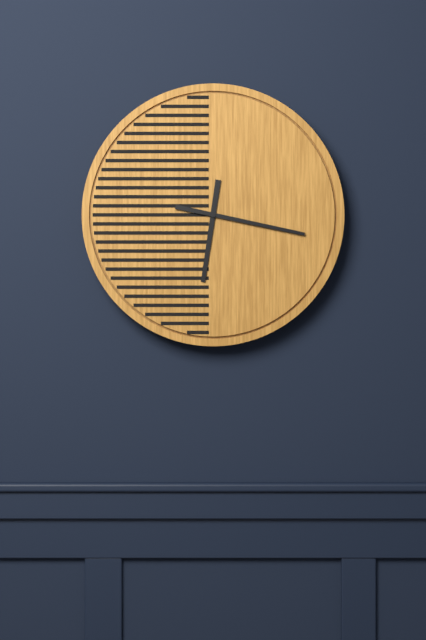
6:17
